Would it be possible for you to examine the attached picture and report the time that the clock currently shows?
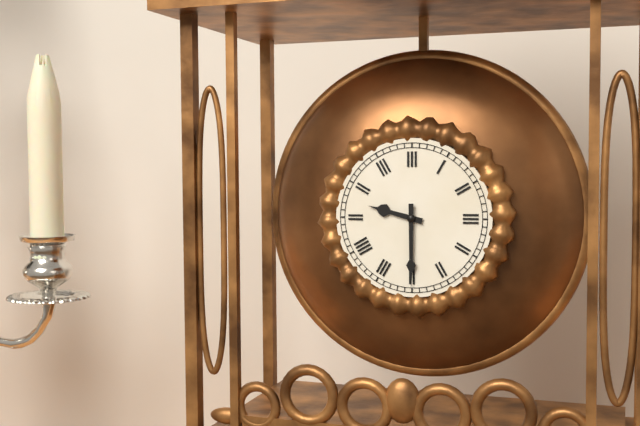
9:30
